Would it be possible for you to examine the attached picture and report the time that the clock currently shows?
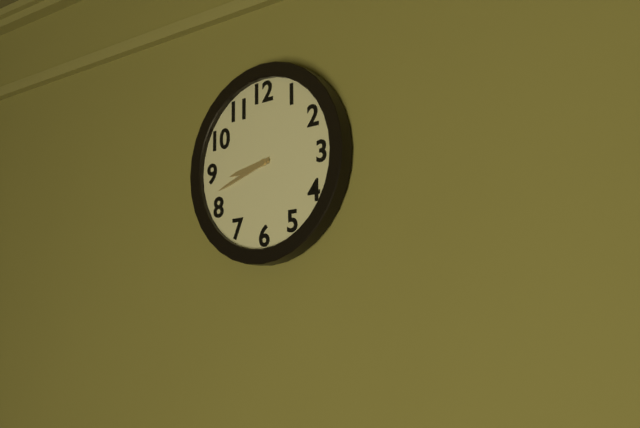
8:42
